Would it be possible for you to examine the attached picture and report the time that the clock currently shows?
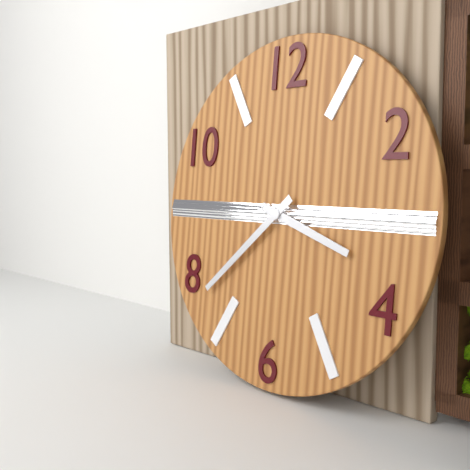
3:38
